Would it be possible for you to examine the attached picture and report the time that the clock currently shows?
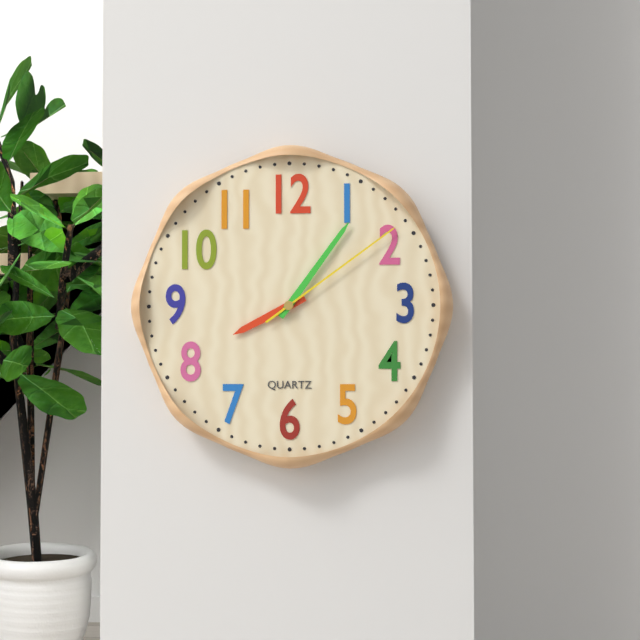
8:06:09
